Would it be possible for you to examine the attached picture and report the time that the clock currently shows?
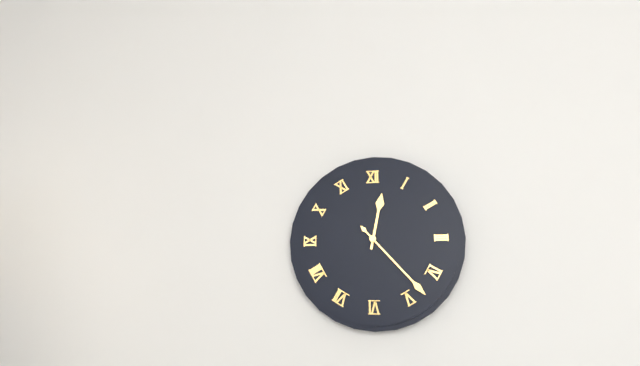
12:23
